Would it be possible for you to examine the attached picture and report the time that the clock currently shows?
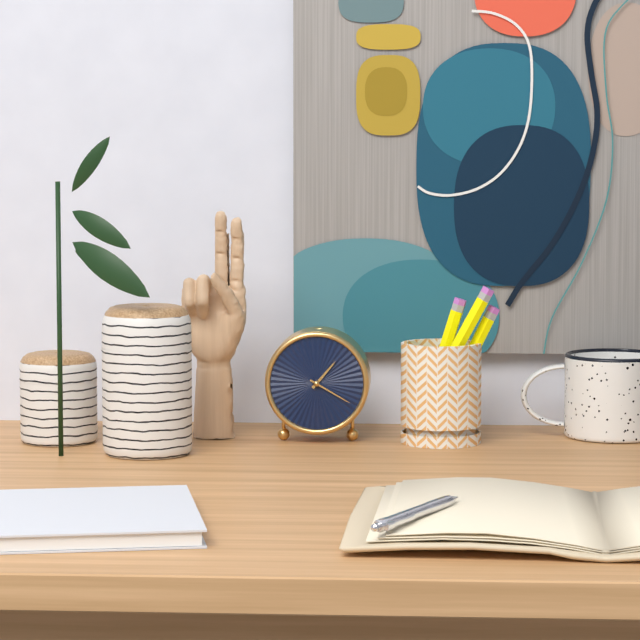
1:20
